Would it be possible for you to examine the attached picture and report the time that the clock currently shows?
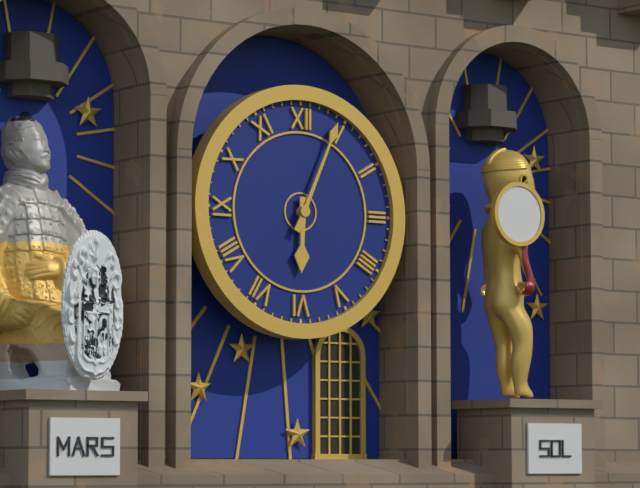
6:04
